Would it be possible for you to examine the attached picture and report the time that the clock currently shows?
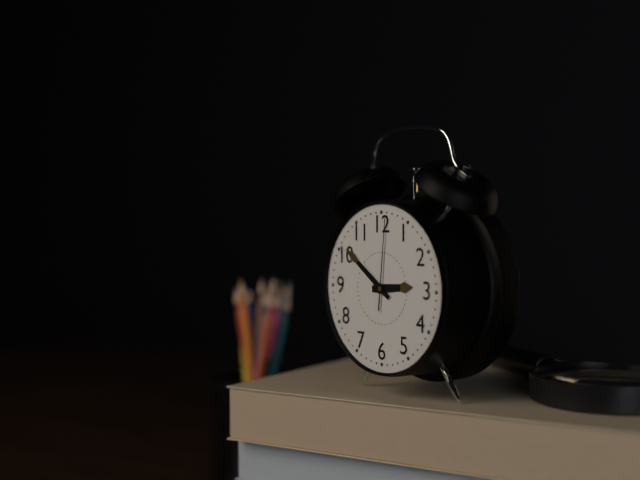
2:51:01
